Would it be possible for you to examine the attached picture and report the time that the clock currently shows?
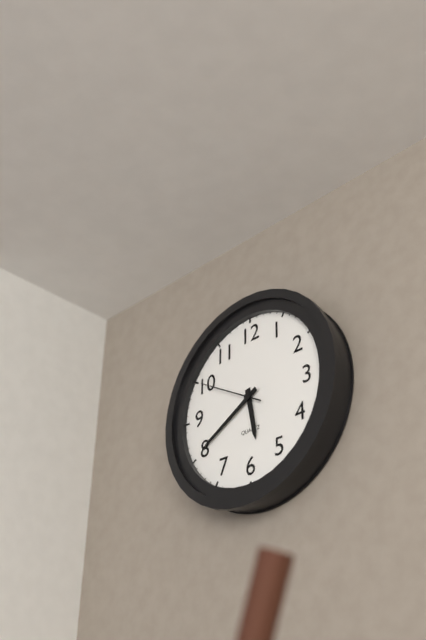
5:40:50
